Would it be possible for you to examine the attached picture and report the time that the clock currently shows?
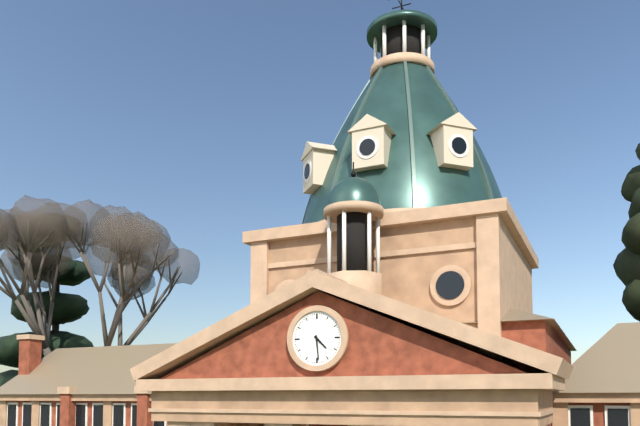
4:29
